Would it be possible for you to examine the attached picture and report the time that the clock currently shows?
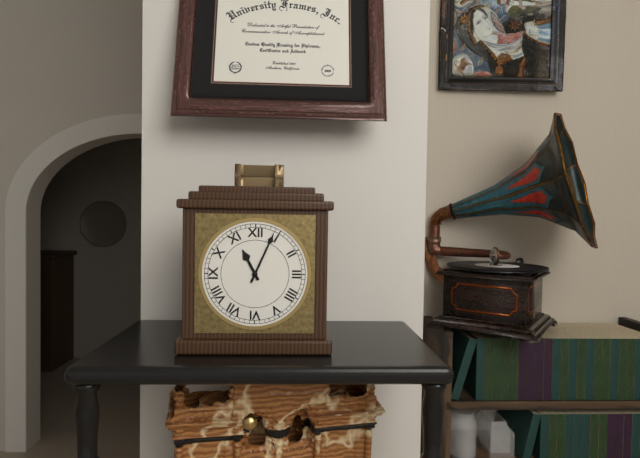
11:04
